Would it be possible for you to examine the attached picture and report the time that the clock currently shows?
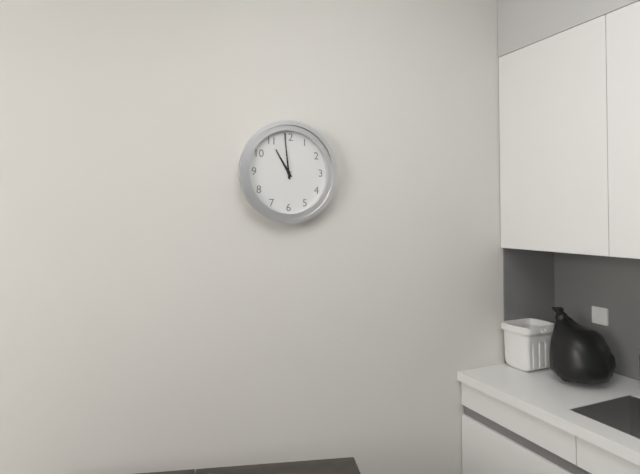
10:59
